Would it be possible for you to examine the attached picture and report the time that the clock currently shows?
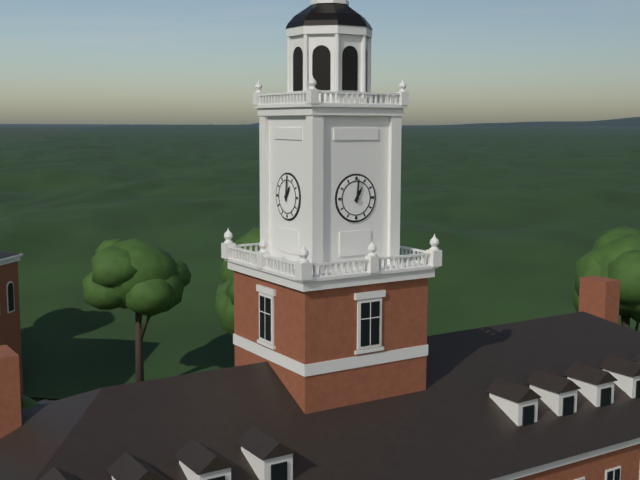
1:01
